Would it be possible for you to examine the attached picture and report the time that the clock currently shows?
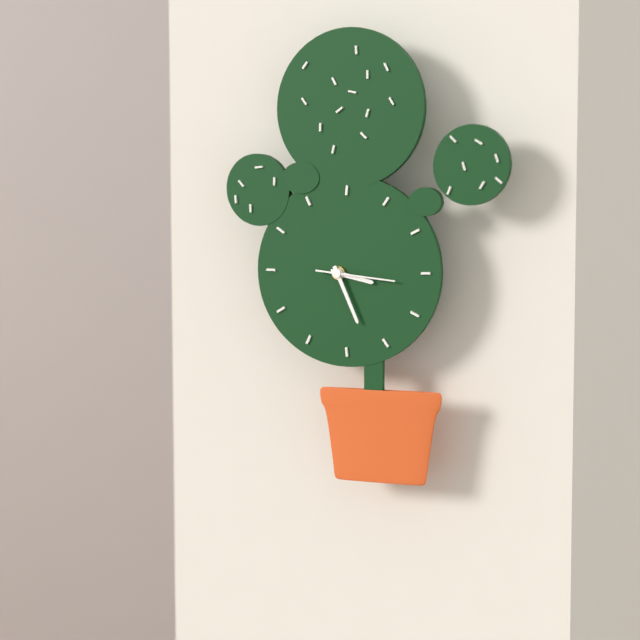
3:26
